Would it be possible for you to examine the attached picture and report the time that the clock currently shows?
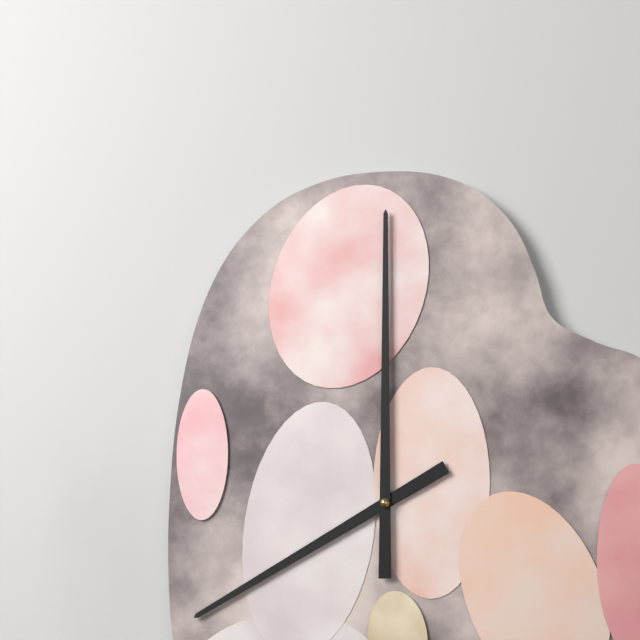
8:00
